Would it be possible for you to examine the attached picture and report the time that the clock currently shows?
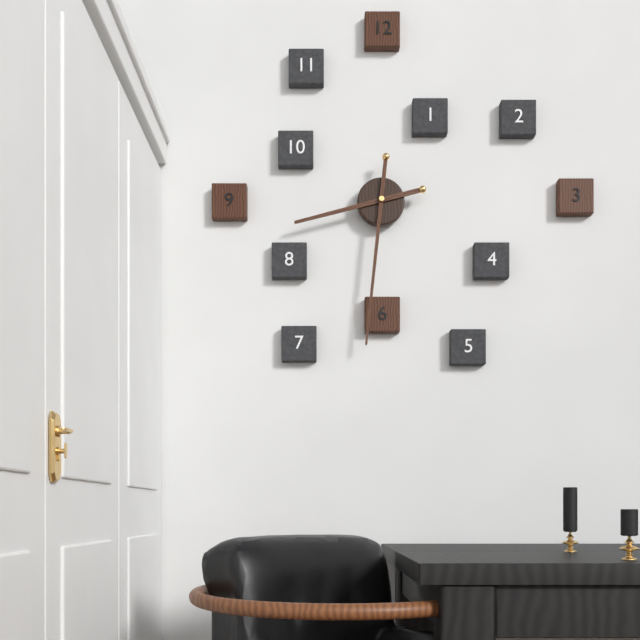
8:31
